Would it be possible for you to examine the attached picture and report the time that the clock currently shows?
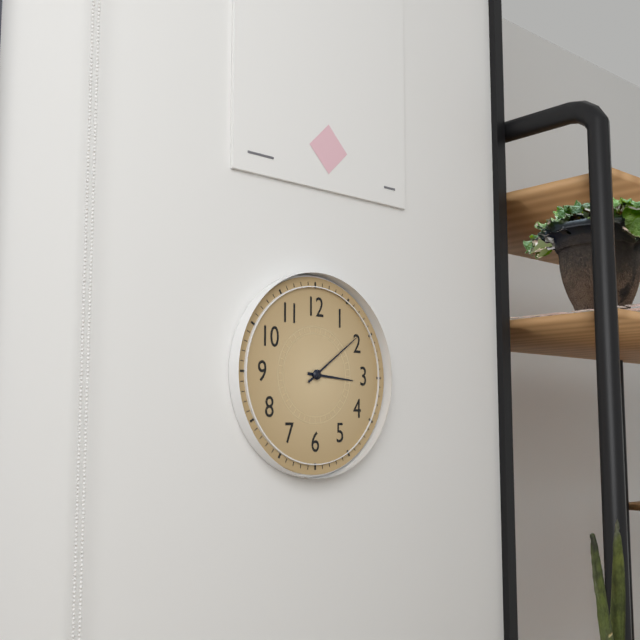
3:09
